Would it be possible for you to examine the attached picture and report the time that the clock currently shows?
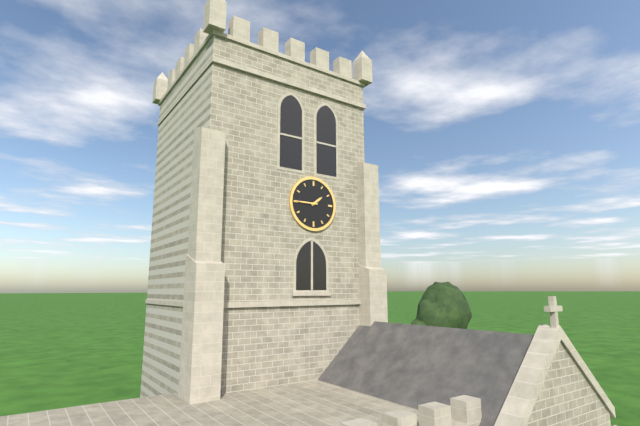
1:45
